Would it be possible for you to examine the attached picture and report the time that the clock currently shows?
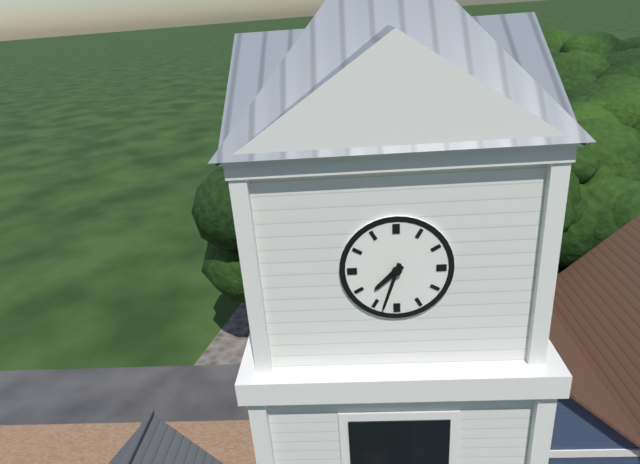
7:33
